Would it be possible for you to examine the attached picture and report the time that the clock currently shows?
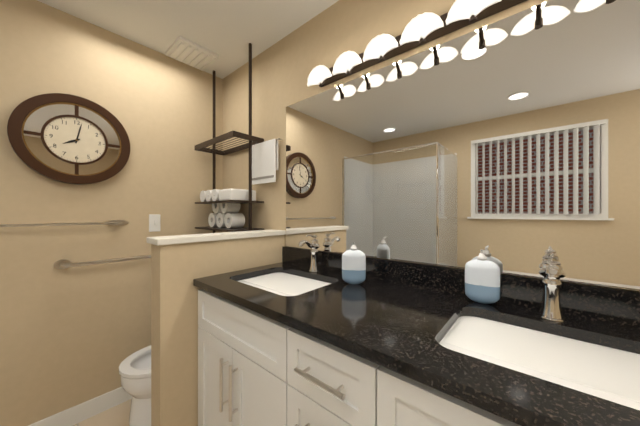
8:02
